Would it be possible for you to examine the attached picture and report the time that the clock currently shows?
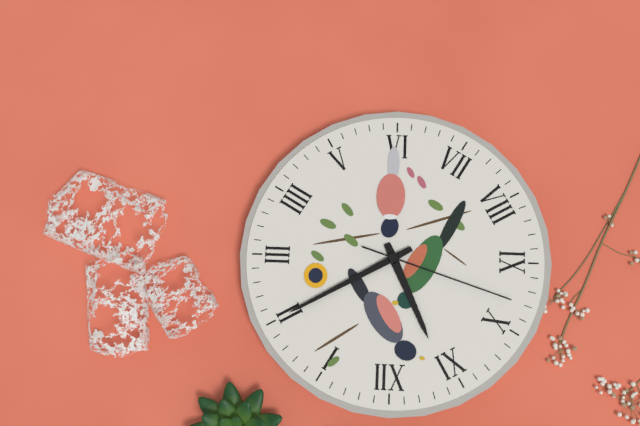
11:10:48
